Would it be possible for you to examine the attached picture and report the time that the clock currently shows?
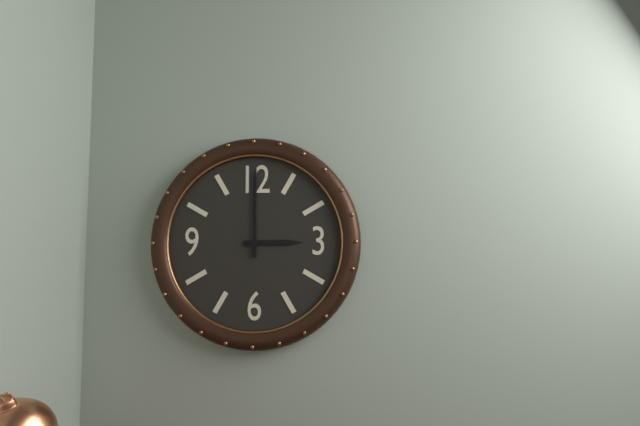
3:00
